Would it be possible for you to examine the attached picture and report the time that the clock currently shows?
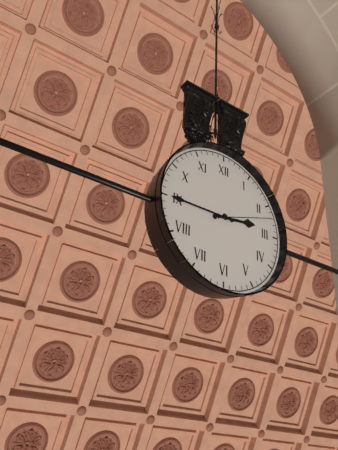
2:45:12
